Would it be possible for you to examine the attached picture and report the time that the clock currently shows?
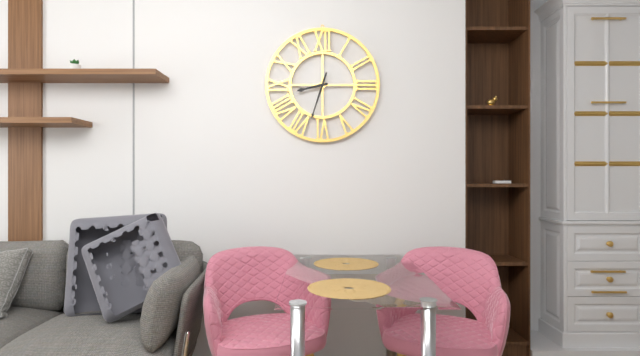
8:33
